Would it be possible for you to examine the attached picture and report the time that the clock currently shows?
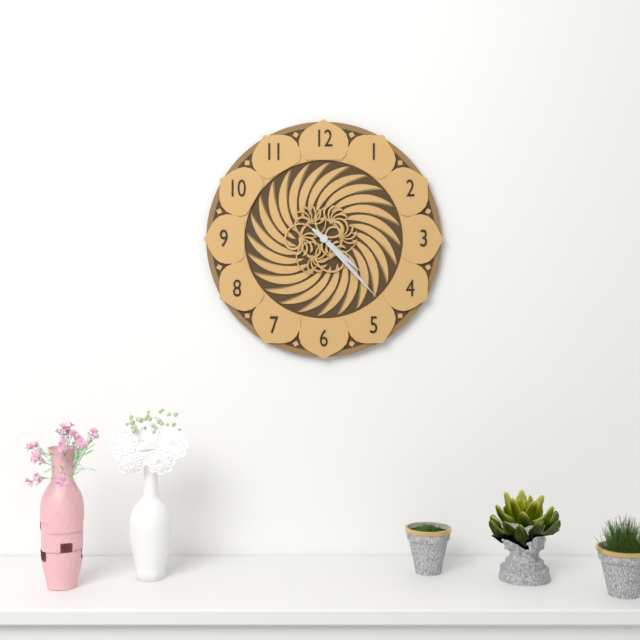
4:23
